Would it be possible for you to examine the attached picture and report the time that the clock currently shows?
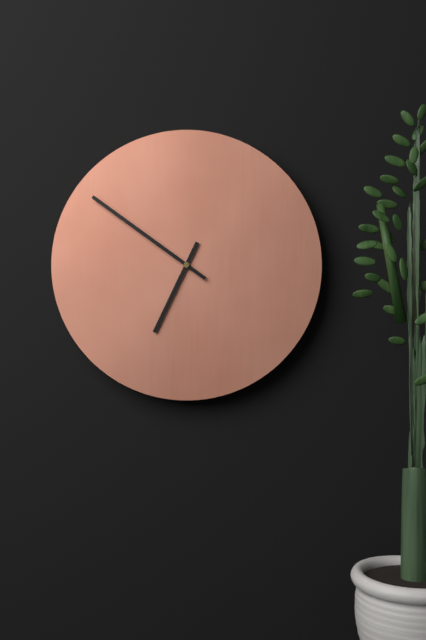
6:51
